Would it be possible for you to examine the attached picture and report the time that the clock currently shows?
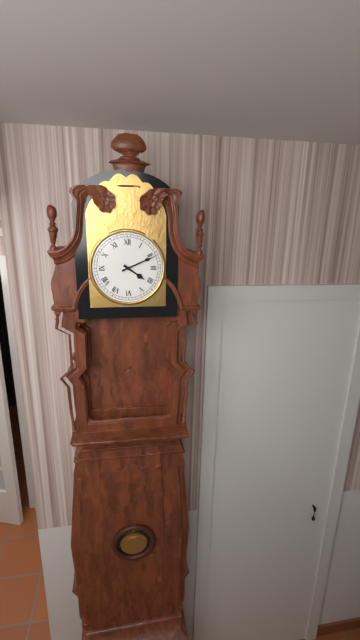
4:11
